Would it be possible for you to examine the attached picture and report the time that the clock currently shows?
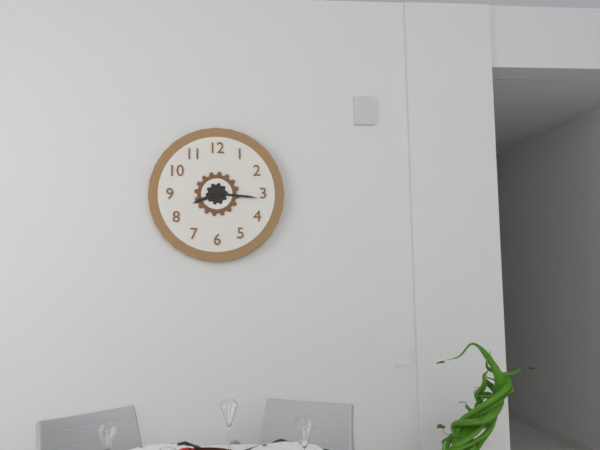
8:16
